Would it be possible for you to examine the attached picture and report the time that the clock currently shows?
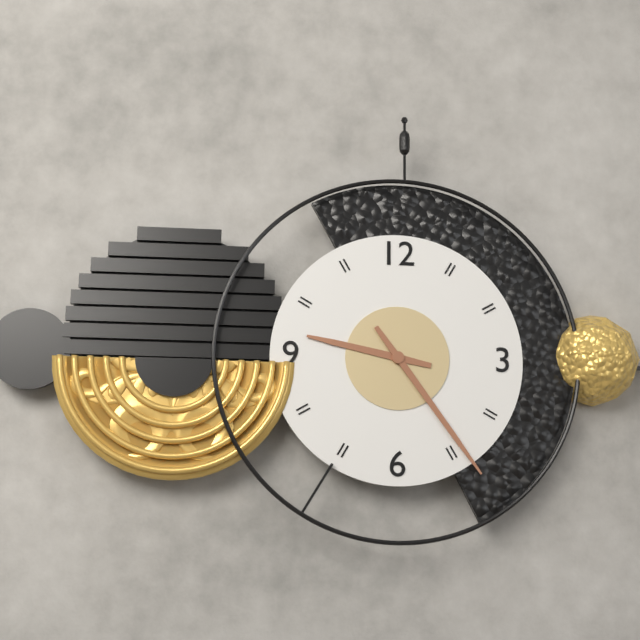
9:24
